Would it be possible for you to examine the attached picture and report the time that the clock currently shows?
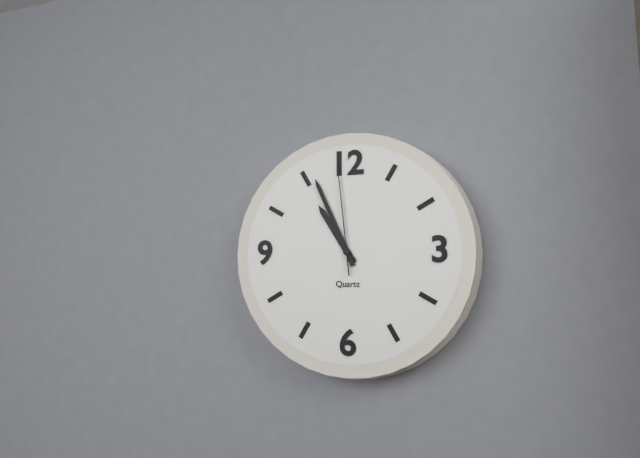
10:56:59
